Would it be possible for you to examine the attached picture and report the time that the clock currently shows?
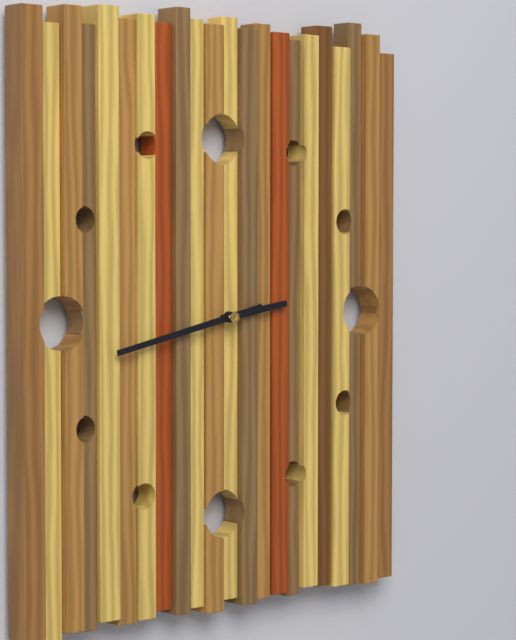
2:43
